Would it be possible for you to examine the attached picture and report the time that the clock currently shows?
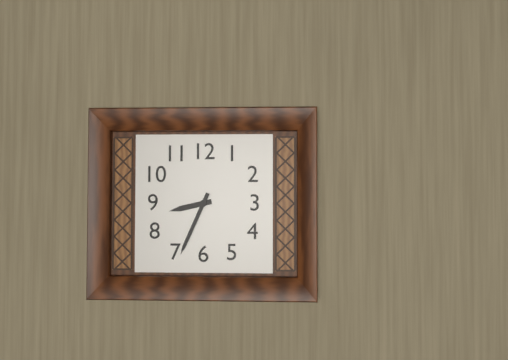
8:34
